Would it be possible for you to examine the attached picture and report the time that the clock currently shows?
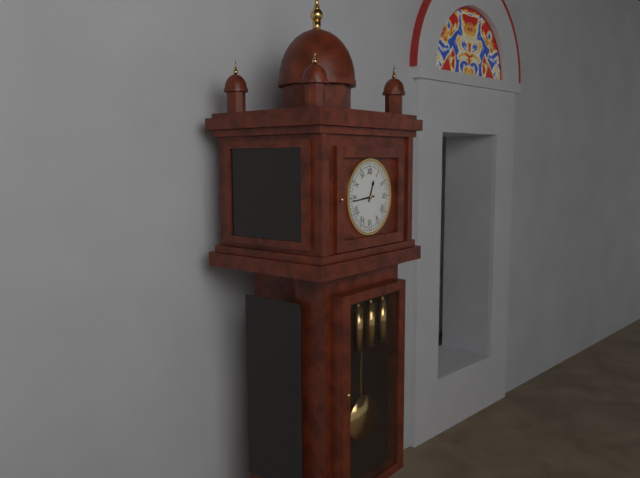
12:44
